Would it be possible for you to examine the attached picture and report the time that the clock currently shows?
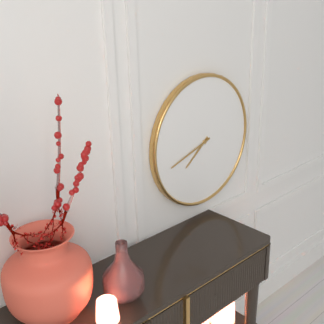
7:42
